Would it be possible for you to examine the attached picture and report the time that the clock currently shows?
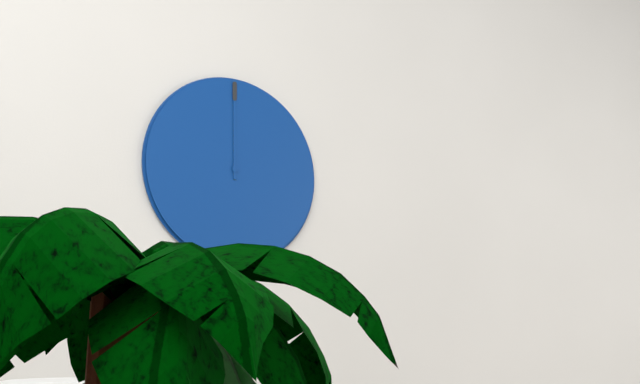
12:00
